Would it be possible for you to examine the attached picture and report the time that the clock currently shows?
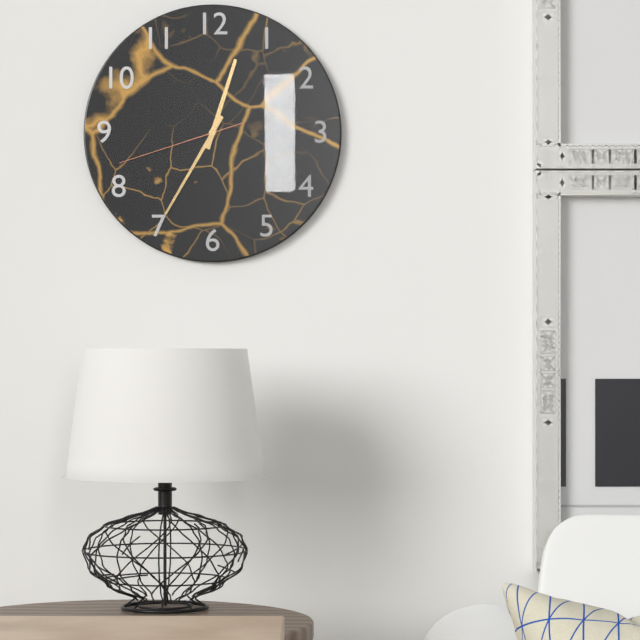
12:35:42
